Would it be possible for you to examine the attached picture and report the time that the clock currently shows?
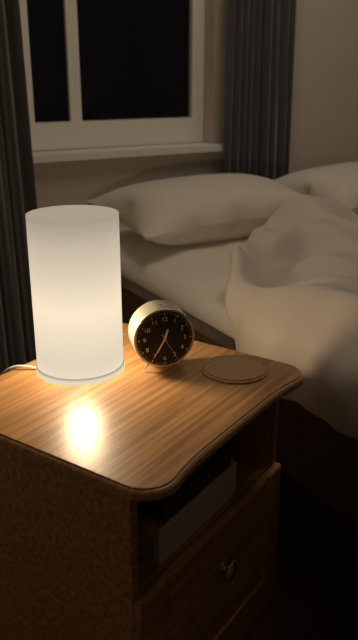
12:35
